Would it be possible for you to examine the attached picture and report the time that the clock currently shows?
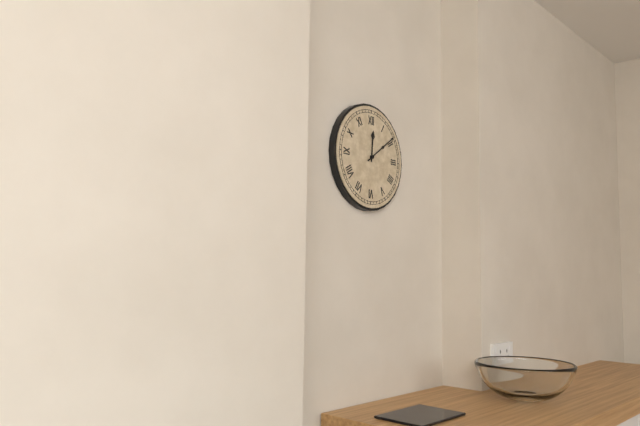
12:09
